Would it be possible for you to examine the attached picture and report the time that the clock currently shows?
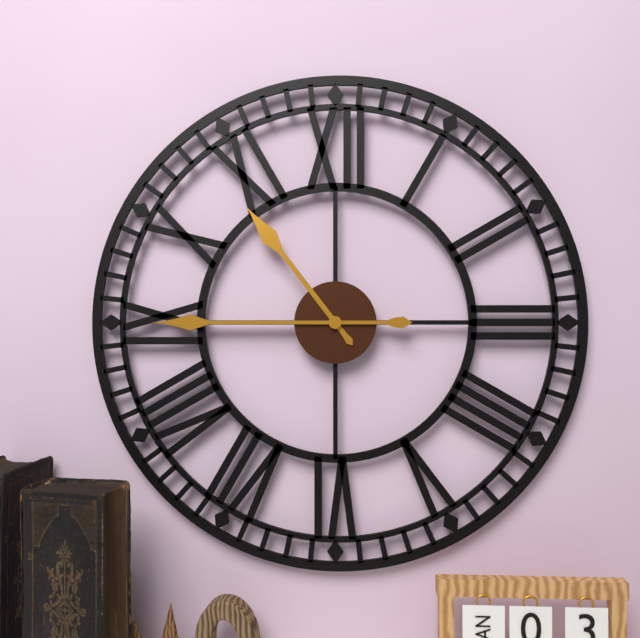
10:45
